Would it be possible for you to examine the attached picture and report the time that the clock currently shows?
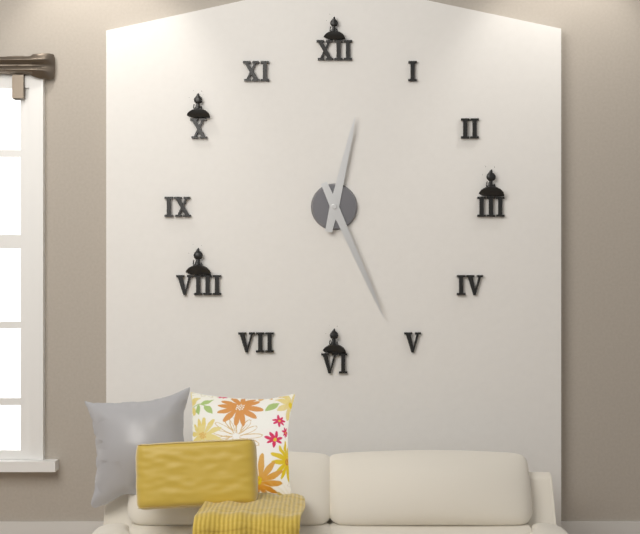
12:26
